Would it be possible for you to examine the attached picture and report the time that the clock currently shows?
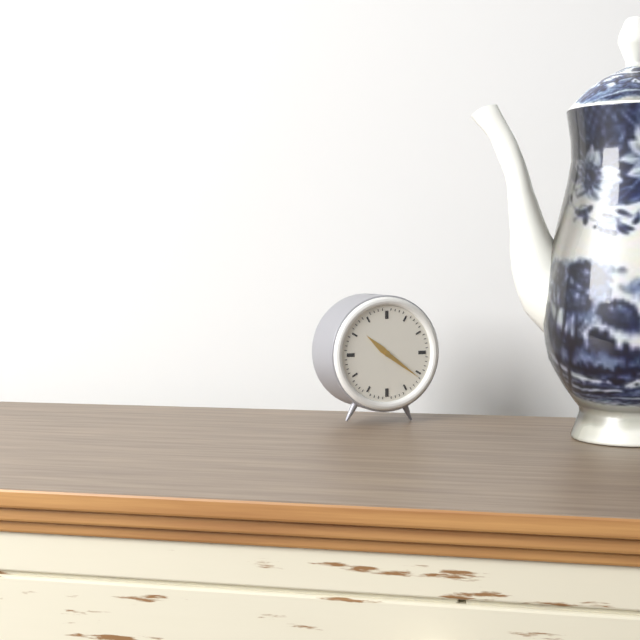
10:21
